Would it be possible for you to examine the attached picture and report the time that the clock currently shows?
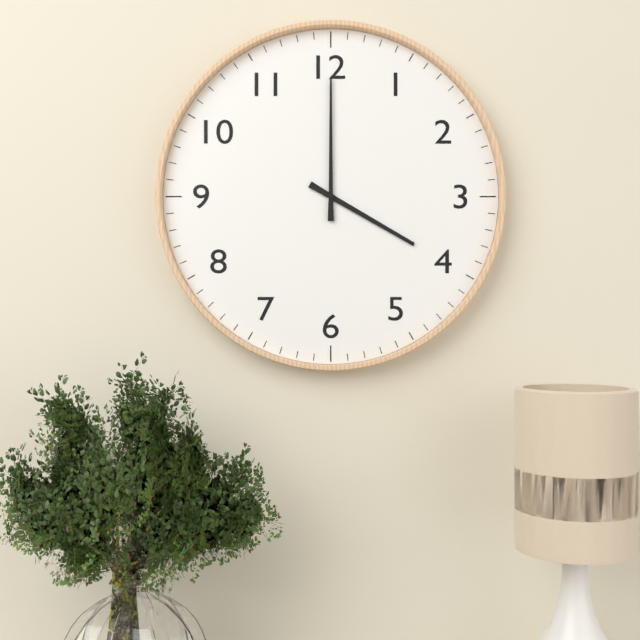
4:00
